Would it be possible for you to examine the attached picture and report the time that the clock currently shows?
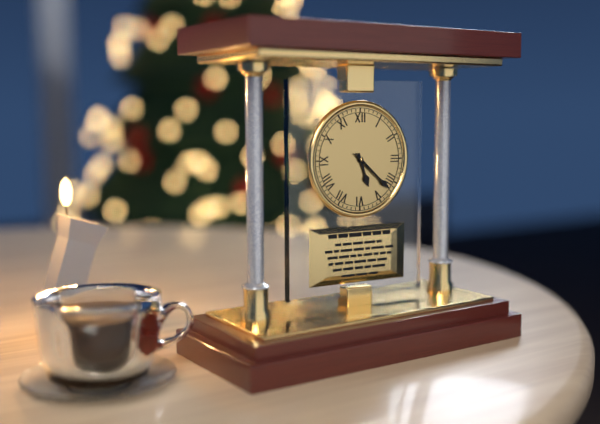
5:22
